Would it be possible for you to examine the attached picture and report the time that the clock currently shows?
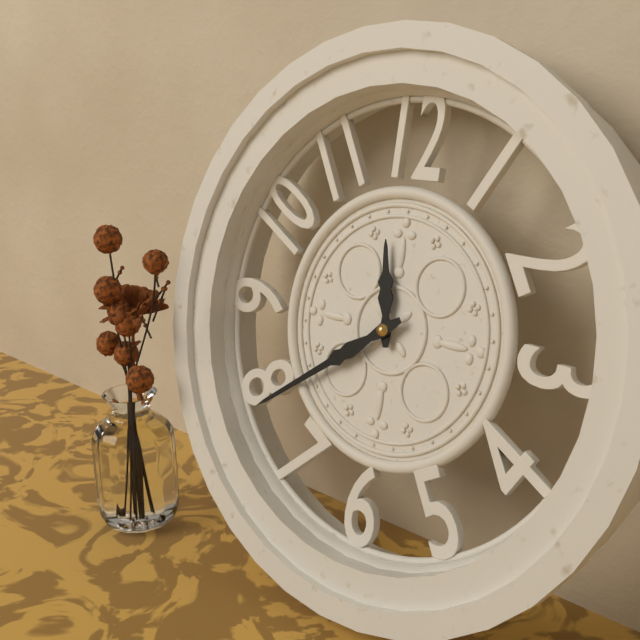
11:39
